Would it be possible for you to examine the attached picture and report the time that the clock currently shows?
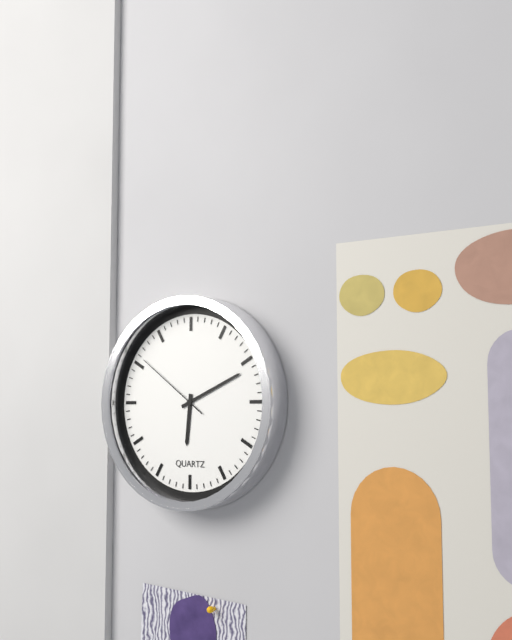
6:11:51
